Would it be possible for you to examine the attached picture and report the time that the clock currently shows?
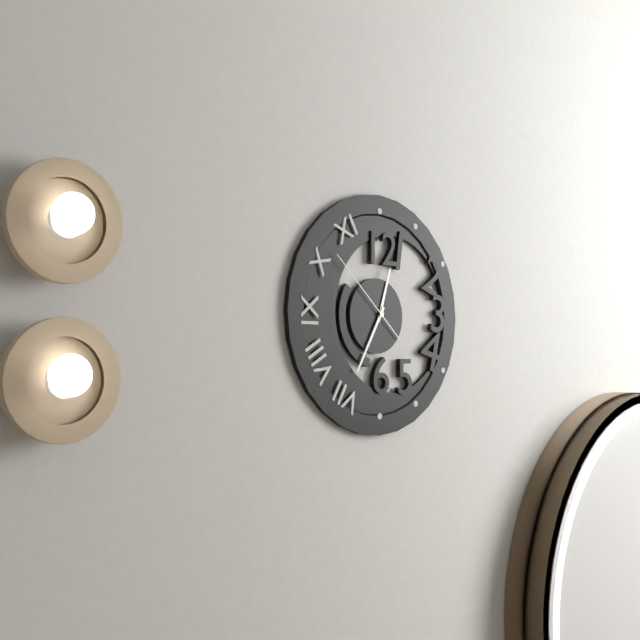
12:35:52
